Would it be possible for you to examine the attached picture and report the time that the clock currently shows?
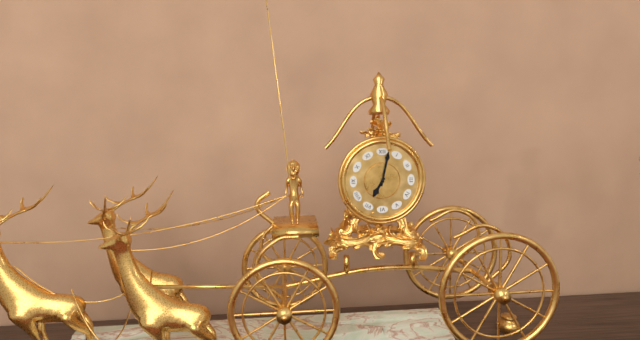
7:02
